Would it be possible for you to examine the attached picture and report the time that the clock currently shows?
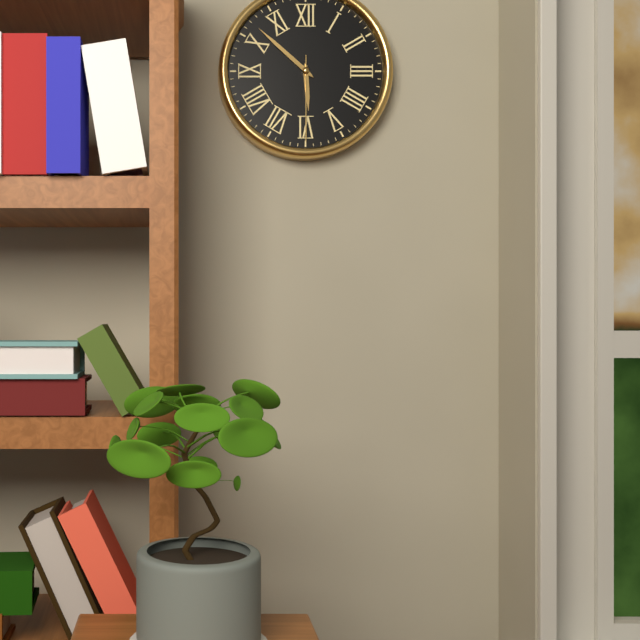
5:52:30
